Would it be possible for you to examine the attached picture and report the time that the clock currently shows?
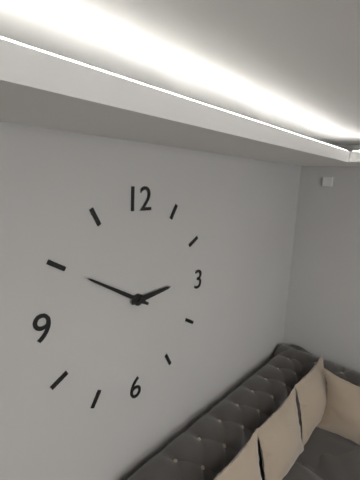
2:50
